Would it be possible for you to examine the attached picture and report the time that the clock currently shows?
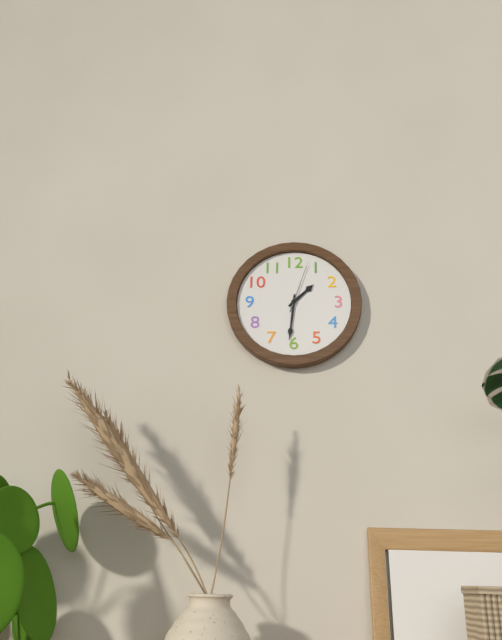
1:31:03
